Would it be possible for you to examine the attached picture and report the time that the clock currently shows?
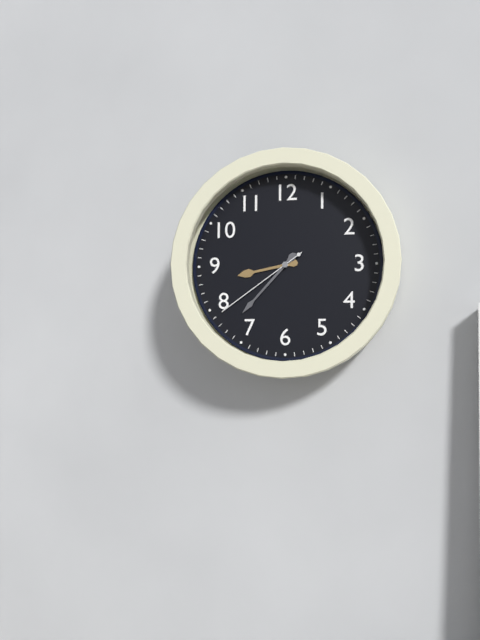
8:37:39
